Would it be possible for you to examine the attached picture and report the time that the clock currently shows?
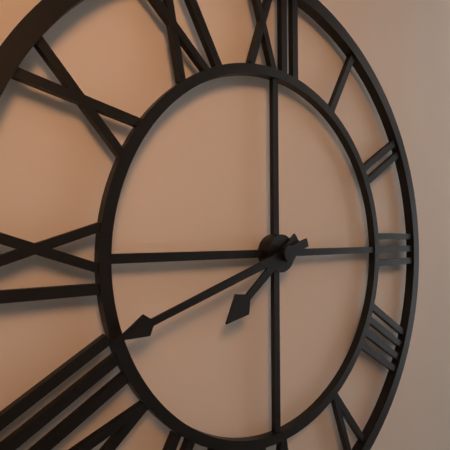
7:42
